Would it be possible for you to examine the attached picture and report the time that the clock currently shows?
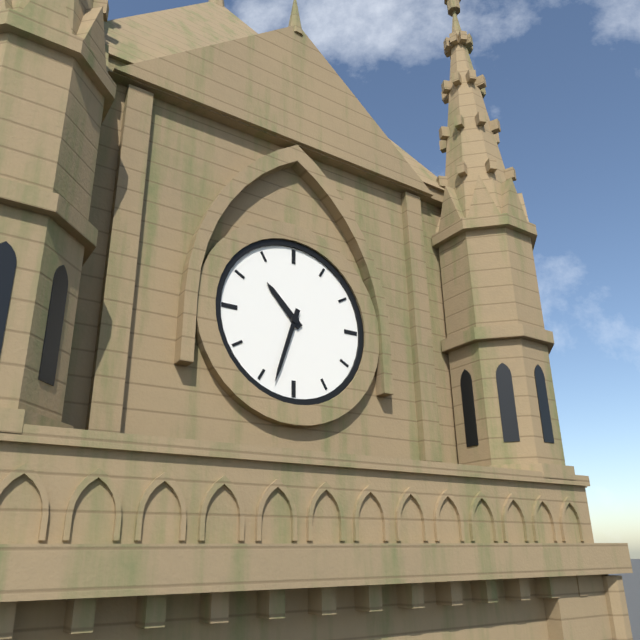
10:33
